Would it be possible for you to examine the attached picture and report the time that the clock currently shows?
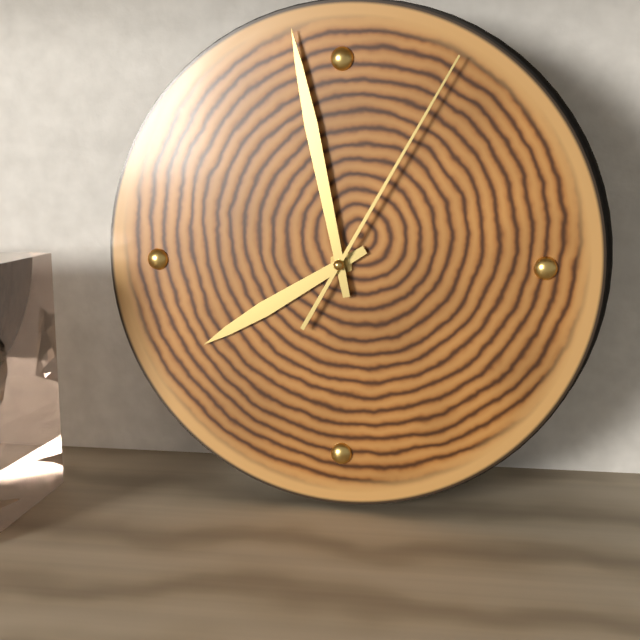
7:58:05
